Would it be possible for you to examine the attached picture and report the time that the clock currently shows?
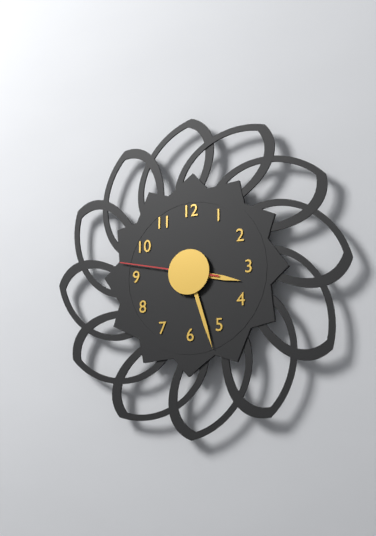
3:27:47
